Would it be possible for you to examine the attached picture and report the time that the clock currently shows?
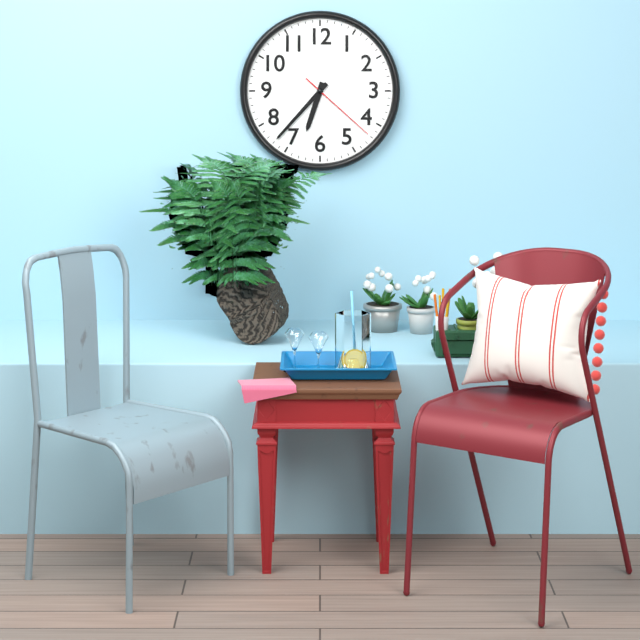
6:37:22
